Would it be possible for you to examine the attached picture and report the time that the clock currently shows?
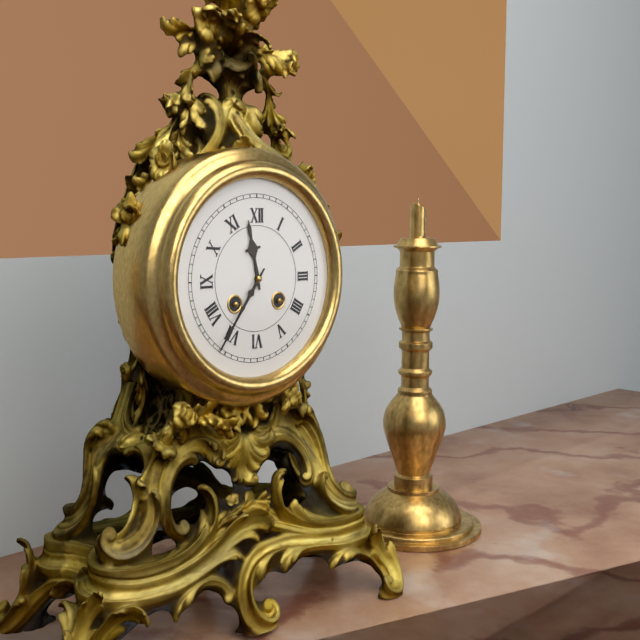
11:36
